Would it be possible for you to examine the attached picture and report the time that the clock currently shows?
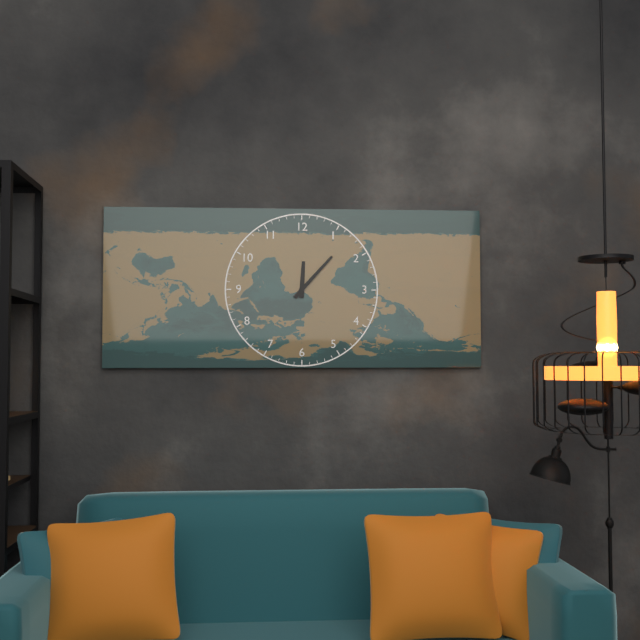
12:07
